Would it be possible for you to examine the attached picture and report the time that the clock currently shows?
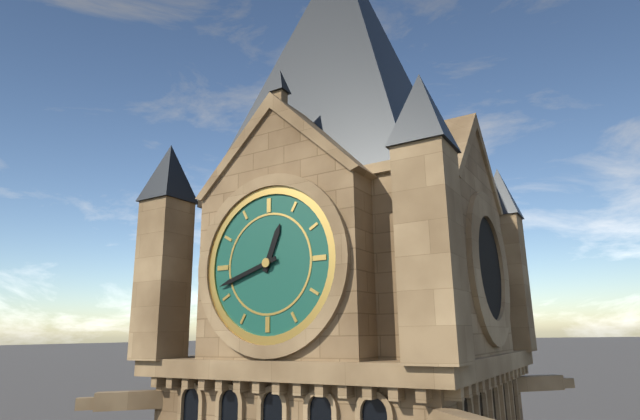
12:42
